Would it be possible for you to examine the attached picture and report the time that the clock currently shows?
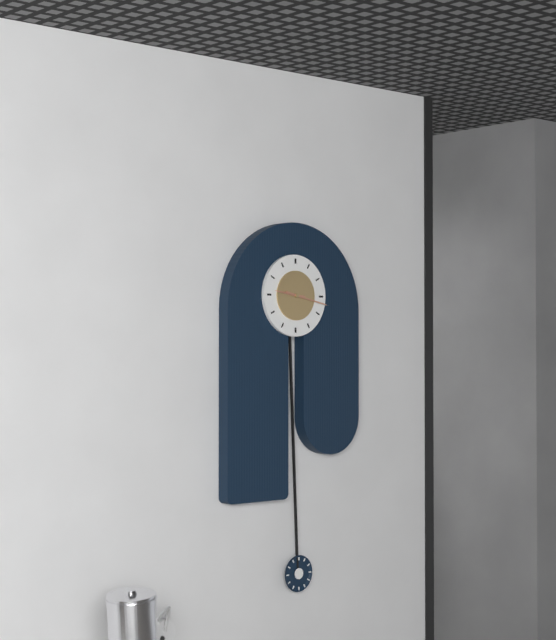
9:17
